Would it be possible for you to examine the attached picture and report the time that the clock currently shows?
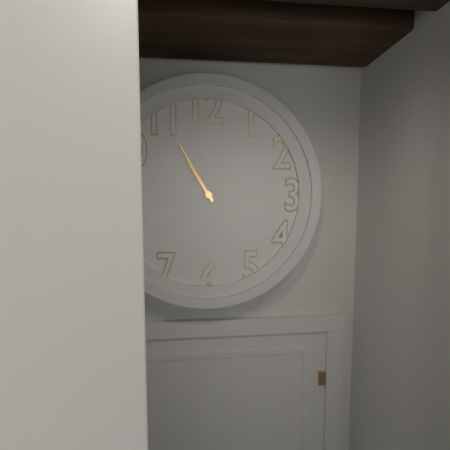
10:55
